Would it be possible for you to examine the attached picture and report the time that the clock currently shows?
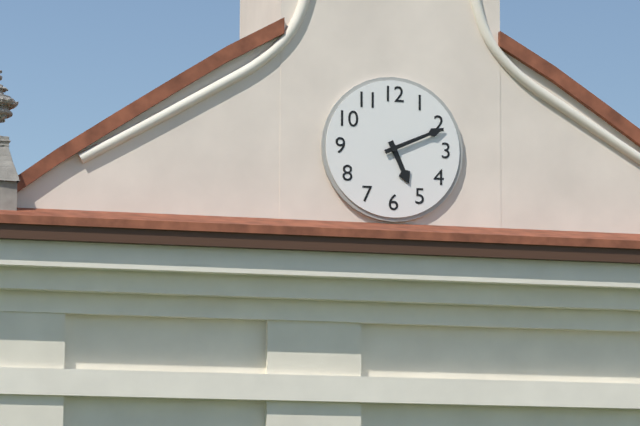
5:11
